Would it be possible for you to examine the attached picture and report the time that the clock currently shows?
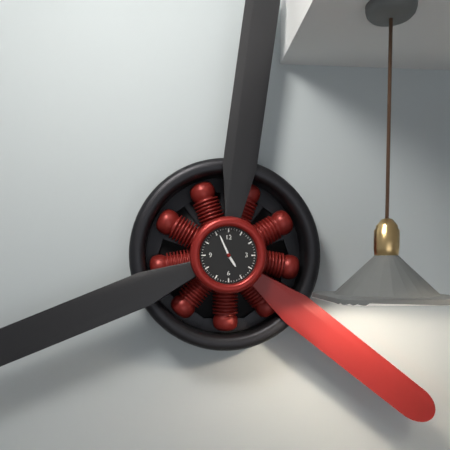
4:56
